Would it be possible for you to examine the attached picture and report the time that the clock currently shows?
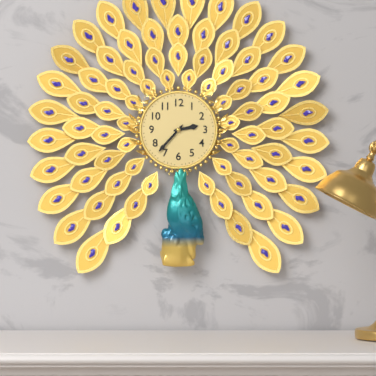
2:37
